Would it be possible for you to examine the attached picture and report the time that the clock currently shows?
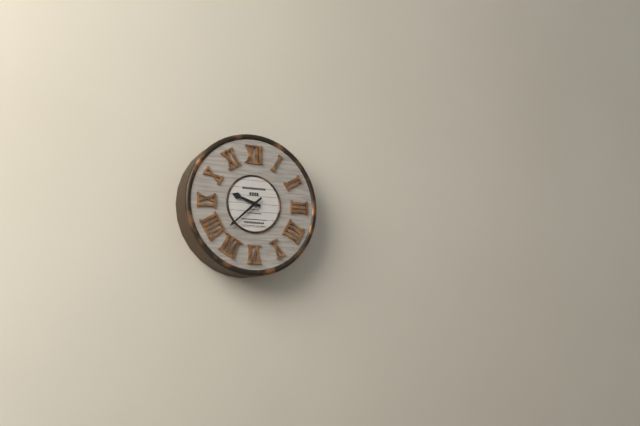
9:38
